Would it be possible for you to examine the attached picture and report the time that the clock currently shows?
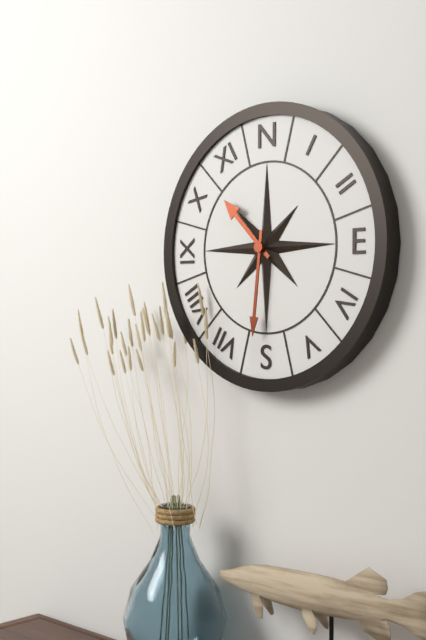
10:31
